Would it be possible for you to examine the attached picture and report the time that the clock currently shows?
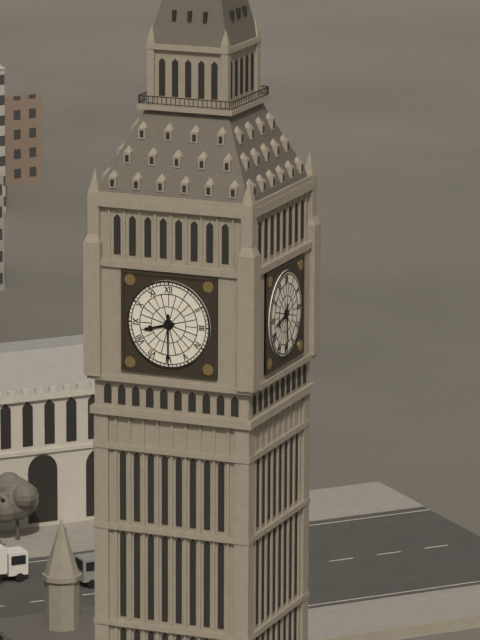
8:30
